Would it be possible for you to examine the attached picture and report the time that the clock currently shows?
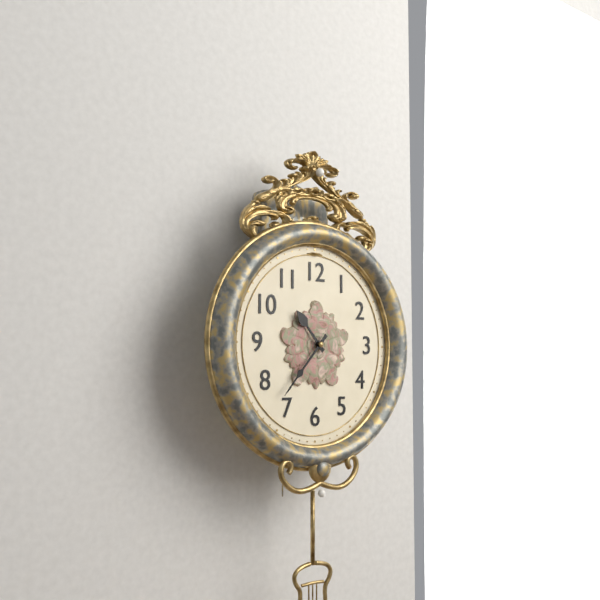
10:37
